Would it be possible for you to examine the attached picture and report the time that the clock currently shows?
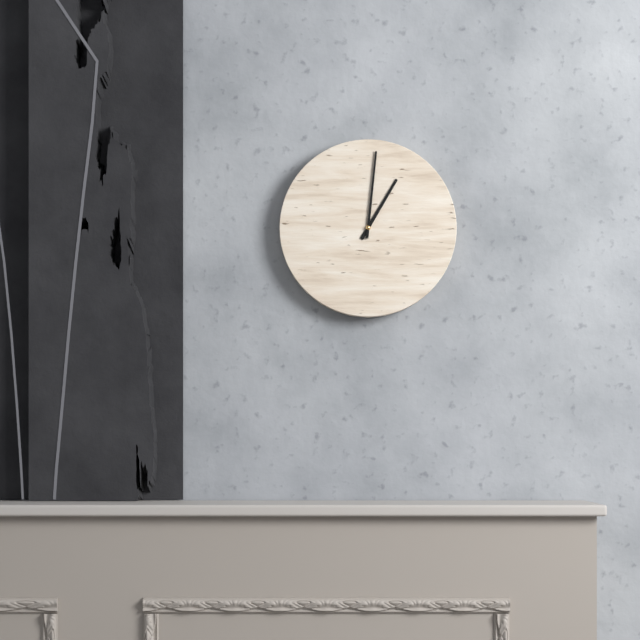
1:01
